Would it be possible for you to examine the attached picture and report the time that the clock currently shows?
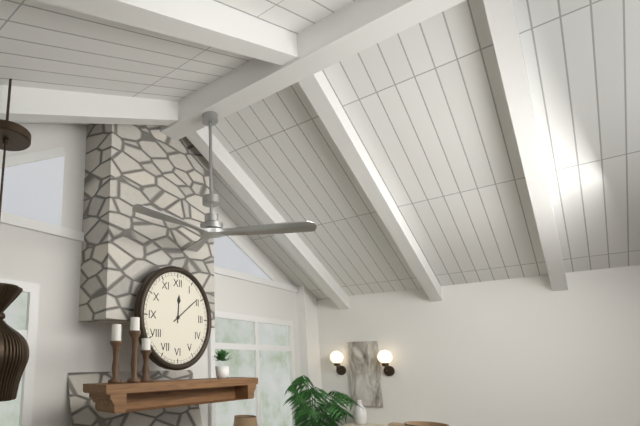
12:09
